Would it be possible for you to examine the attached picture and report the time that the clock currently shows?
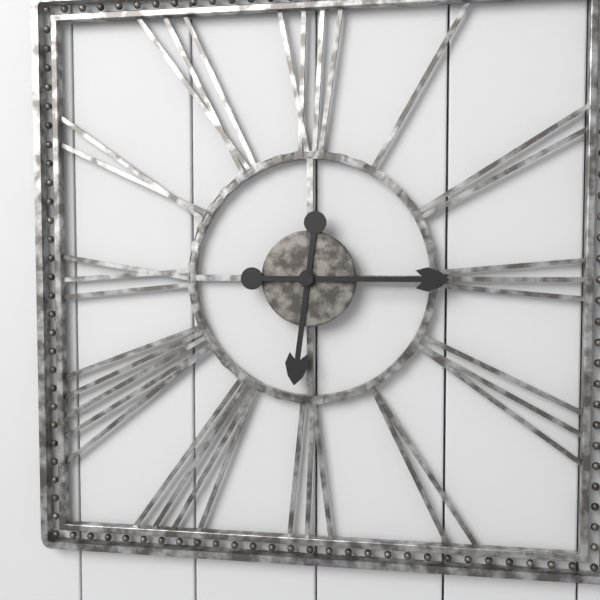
6:15
